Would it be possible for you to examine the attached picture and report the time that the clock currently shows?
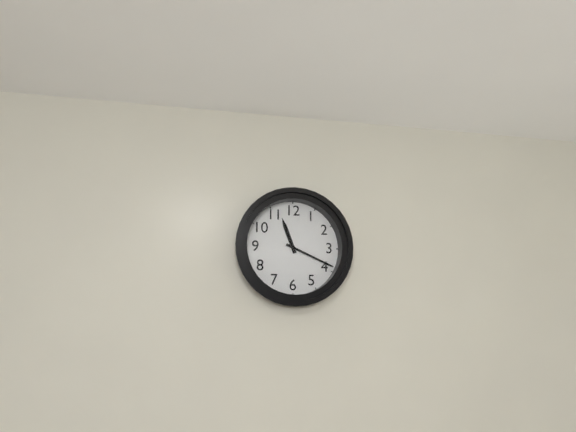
11:19
